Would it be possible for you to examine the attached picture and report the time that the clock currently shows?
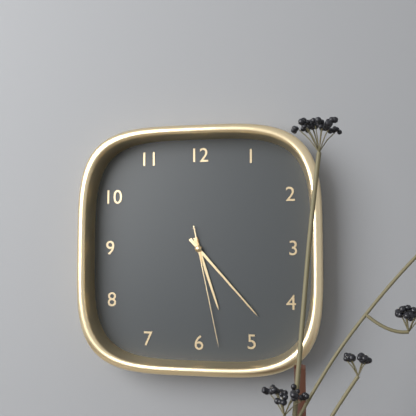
5:23:28
